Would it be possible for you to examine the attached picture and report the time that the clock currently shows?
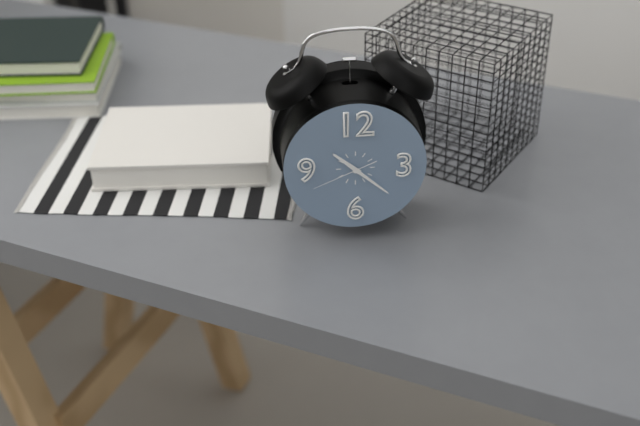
10:22:41
